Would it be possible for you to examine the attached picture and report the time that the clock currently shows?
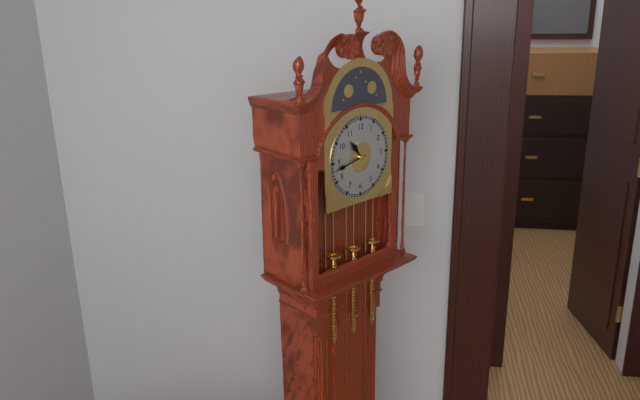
10:43
